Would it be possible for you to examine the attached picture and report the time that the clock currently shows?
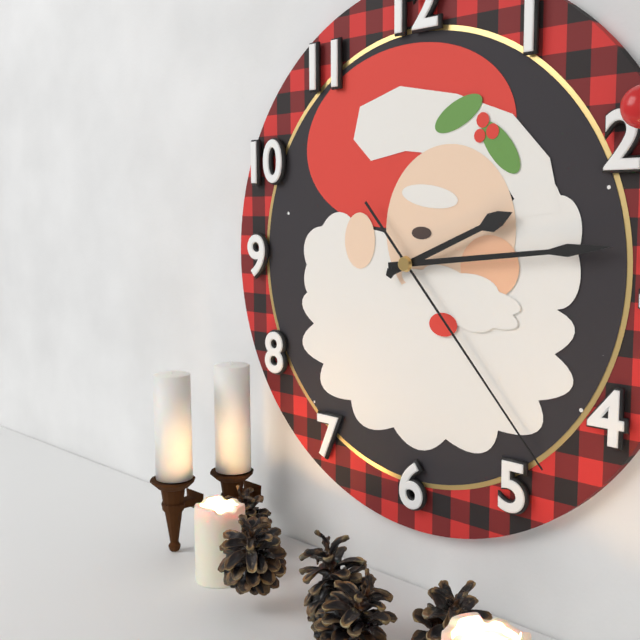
2:14:23
